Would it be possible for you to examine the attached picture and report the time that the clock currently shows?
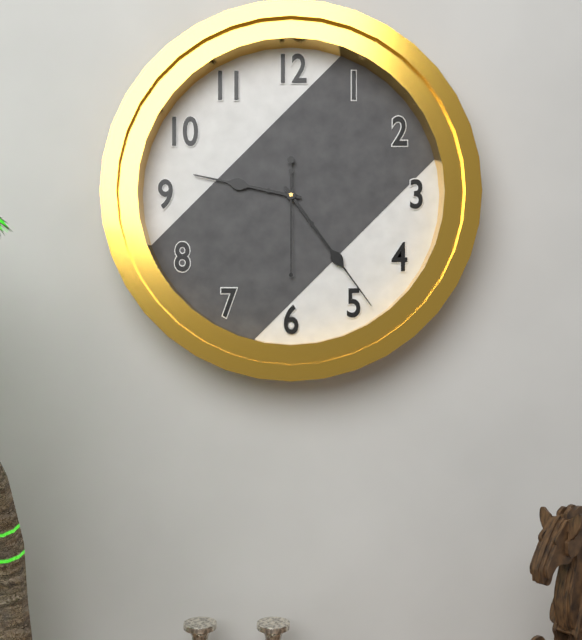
9:24:30
